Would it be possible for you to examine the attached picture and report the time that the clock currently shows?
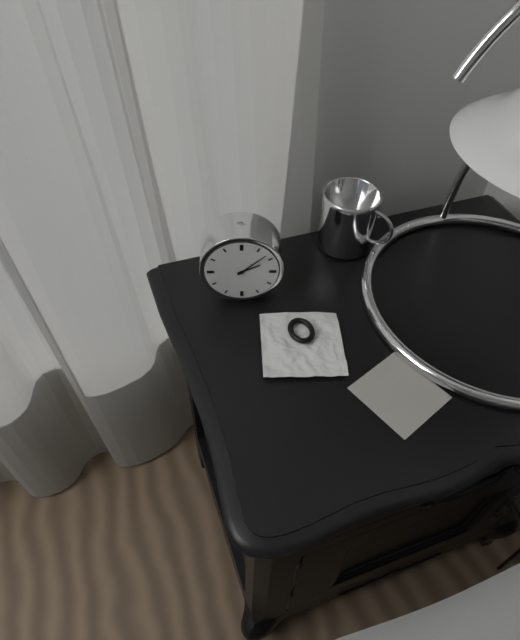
2:08
